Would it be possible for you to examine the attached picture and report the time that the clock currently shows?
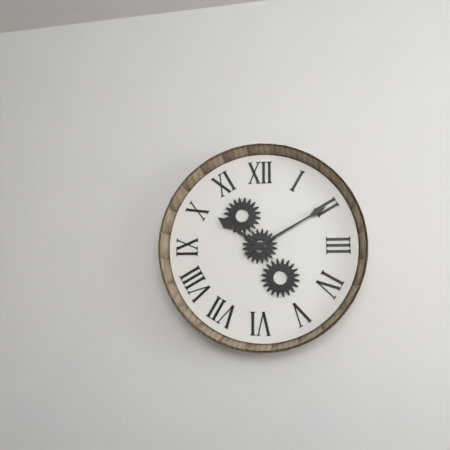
10:10
